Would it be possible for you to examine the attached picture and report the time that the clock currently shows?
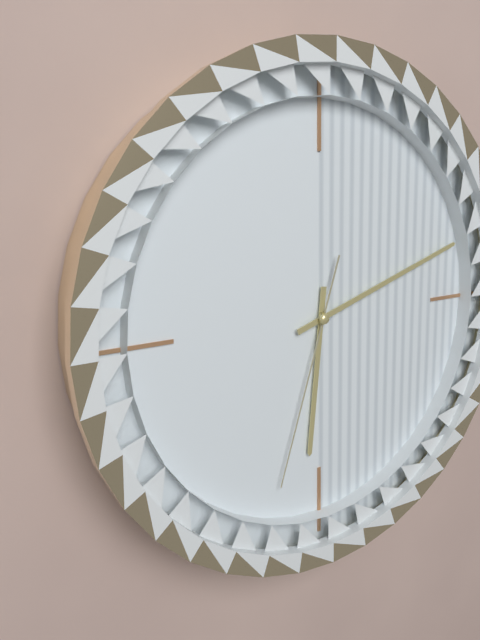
6:12:33
